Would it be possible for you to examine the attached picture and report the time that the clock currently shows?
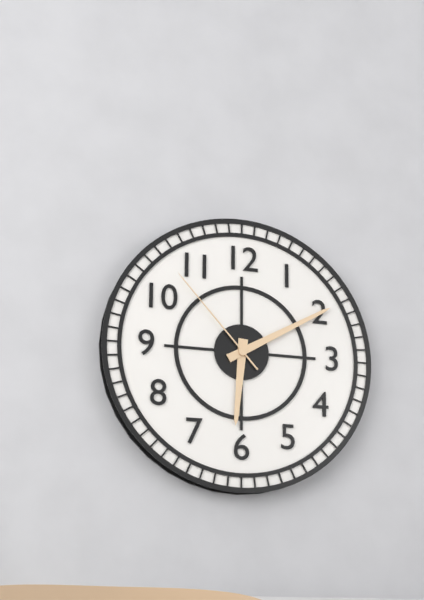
6:10:53
